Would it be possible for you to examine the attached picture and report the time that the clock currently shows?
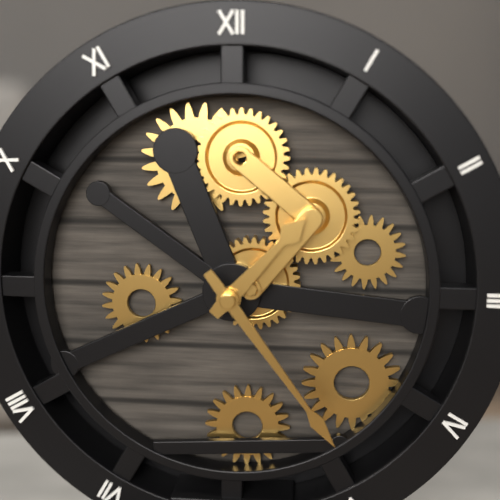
1:24
